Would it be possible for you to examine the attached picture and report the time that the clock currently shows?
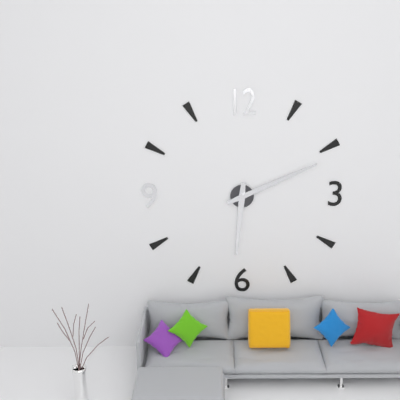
6:11
